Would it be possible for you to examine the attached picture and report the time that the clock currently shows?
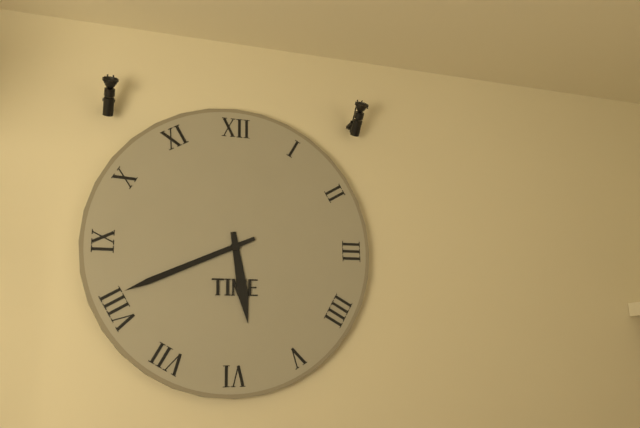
5:41
